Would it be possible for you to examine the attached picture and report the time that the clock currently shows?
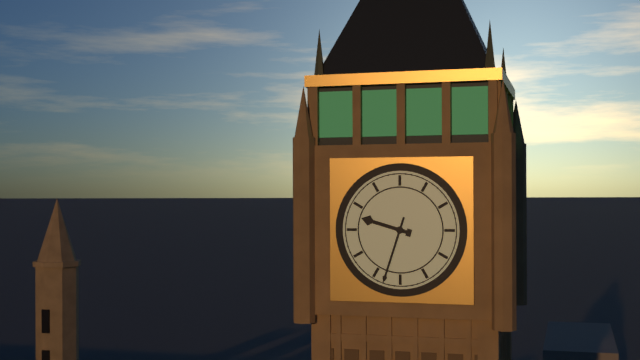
9:33
